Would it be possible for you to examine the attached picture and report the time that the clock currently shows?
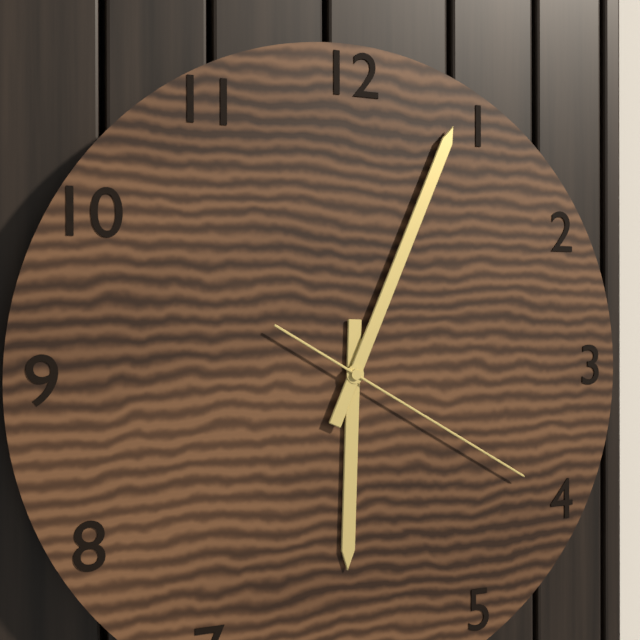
6:04:20
